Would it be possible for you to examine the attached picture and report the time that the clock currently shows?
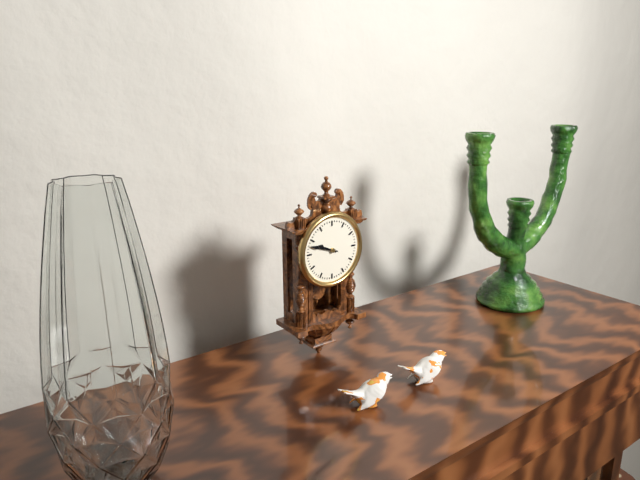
9:48
